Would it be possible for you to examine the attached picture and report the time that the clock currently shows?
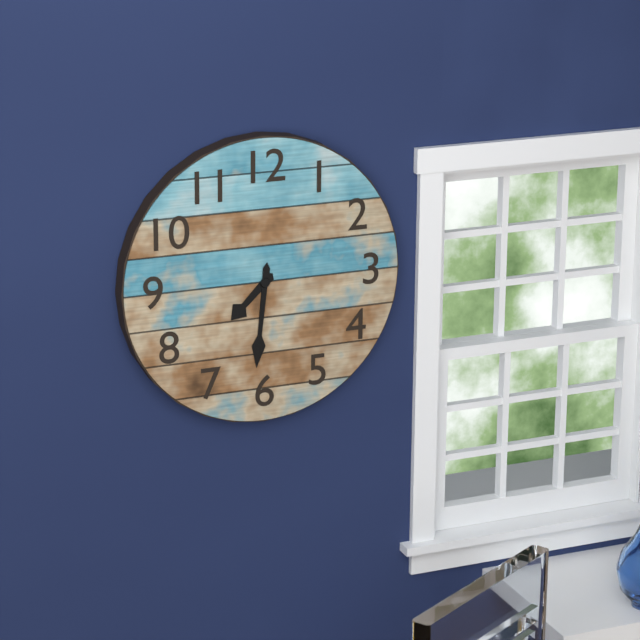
7:31
